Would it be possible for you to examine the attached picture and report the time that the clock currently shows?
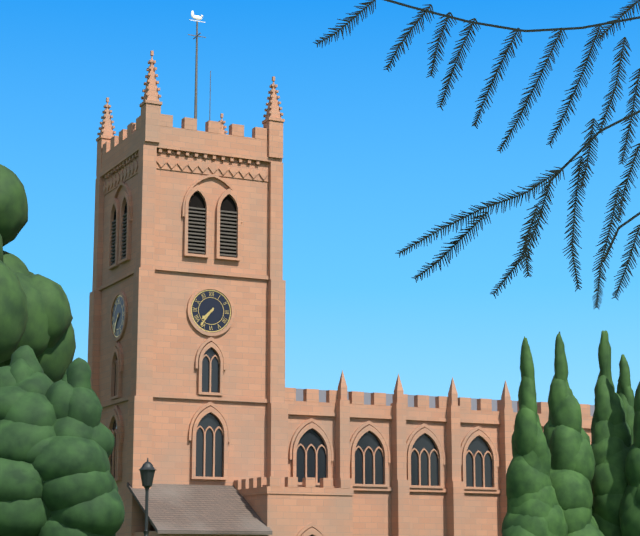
7:36
